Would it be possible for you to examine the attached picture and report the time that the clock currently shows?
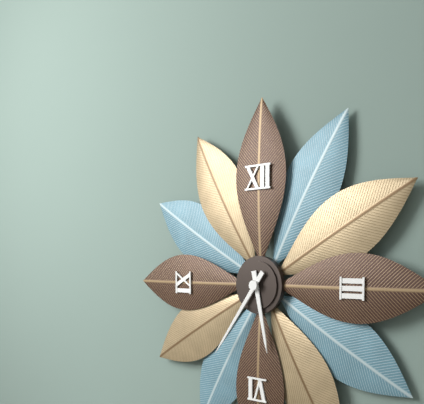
5:36
